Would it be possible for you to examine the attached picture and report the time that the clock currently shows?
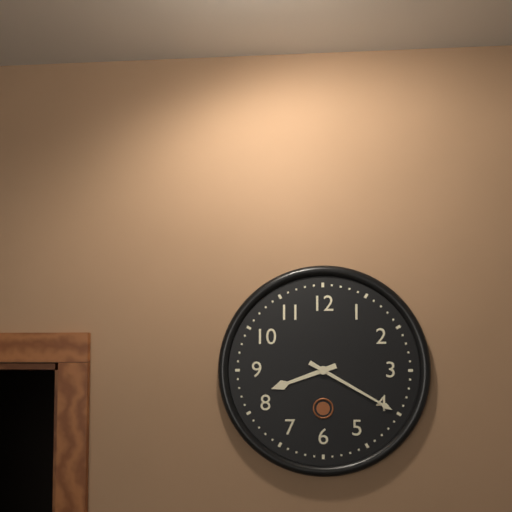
8:20
